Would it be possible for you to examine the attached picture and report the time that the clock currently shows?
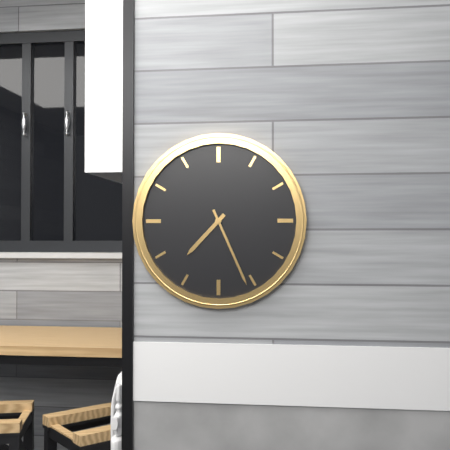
7:26
